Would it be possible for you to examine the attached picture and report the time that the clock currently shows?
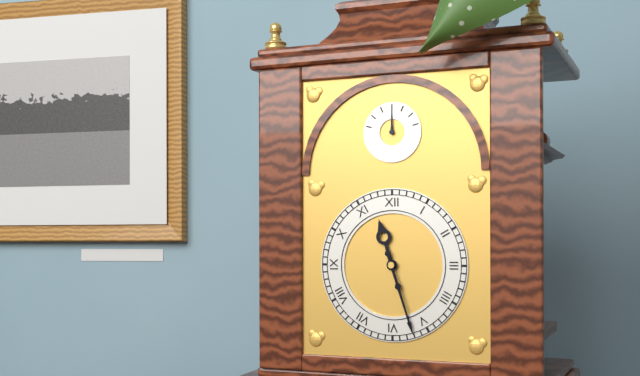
11:27
